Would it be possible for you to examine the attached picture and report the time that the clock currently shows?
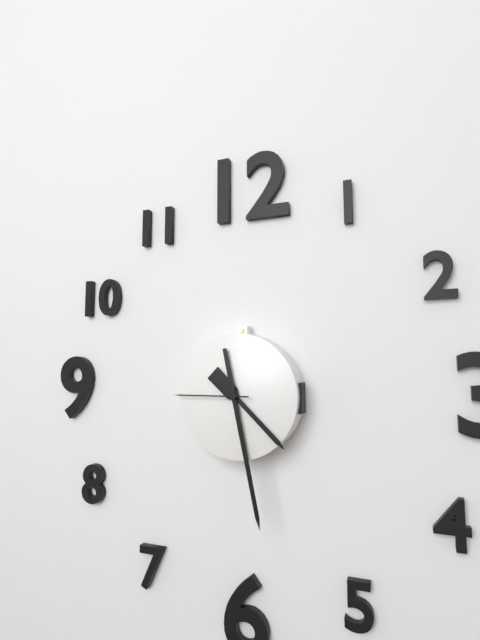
4:28:45
